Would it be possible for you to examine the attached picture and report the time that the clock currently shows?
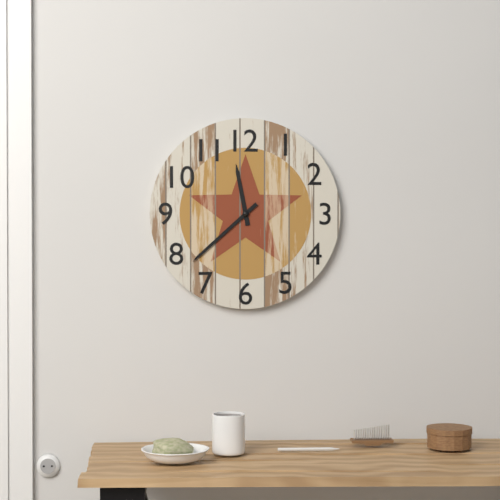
11:38
